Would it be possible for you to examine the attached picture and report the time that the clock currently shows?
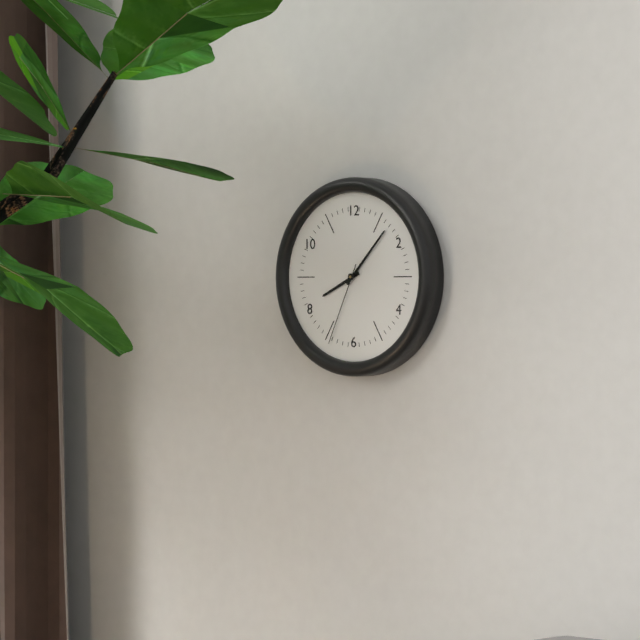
8:07:34
